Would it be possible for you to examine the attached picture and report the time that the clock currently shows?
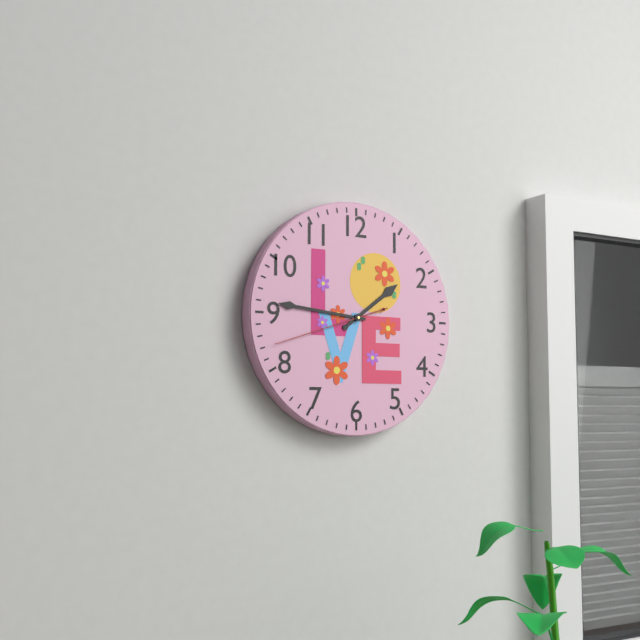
1:46:42
